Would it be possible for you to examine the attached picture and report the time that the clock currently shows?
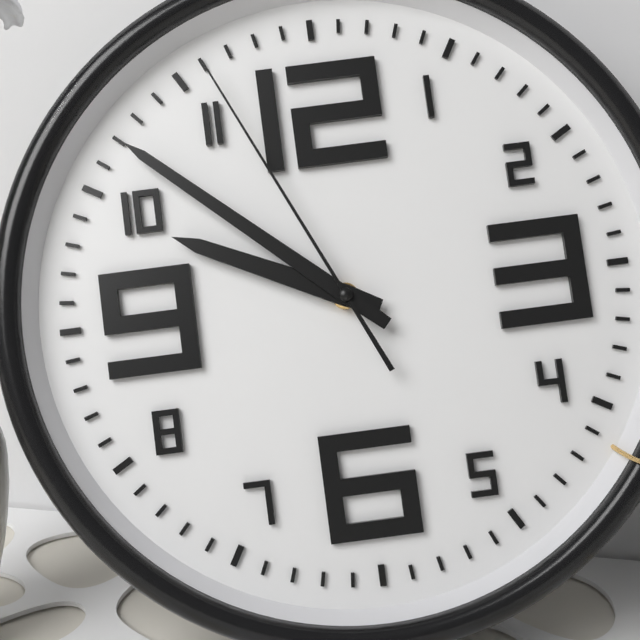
9:52:56
